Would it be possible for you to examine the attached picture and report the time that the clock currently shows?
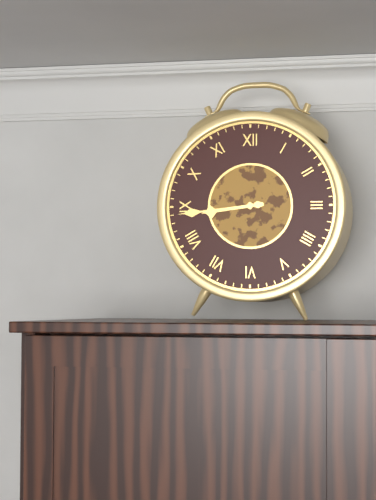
8:44
